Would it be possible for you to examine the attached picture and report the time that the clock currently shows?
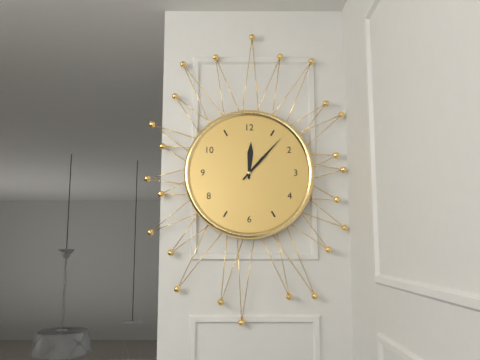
12:07
